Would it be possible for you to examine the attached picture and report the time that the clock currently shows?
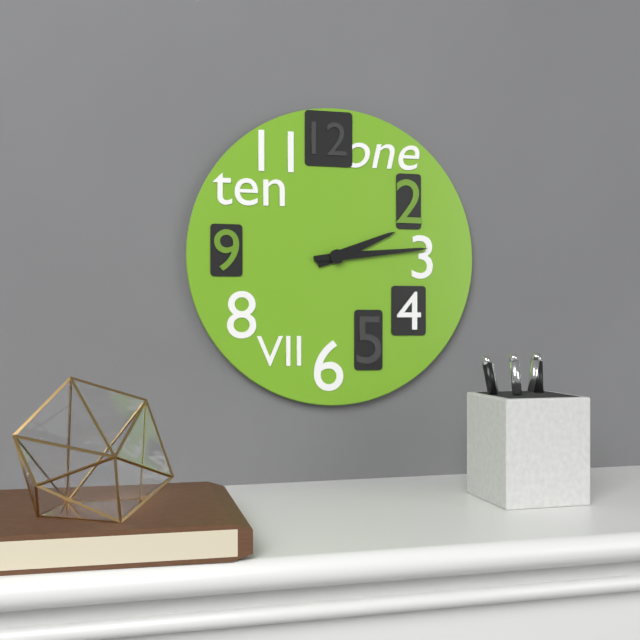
2:14
